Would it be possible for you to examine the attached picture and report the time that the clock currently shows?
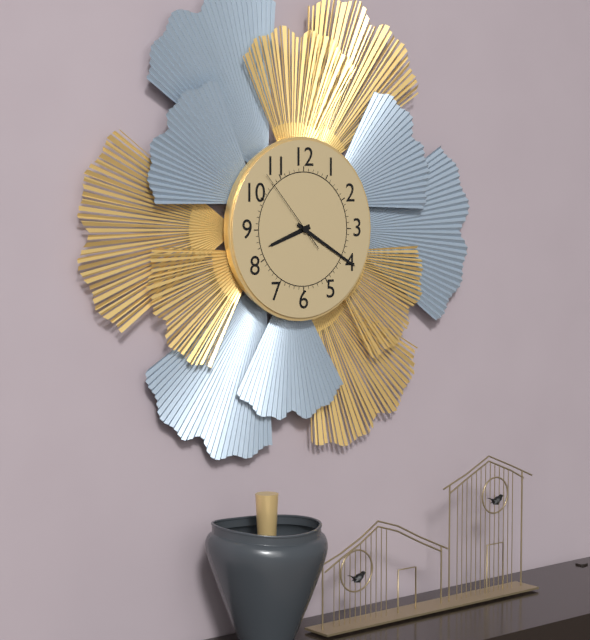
8:20:53
